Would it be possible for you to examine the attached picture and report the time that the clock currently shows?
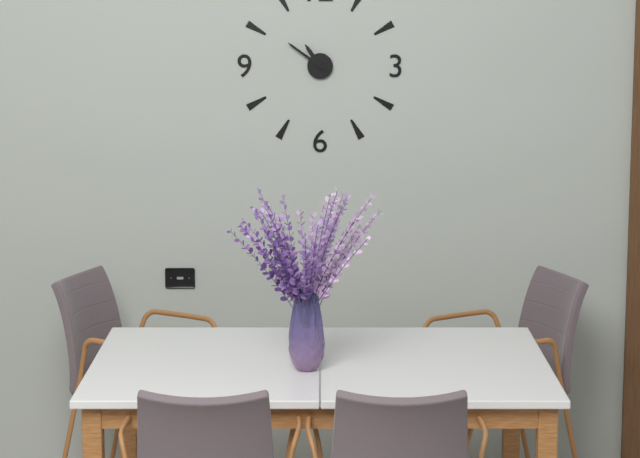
10:51
